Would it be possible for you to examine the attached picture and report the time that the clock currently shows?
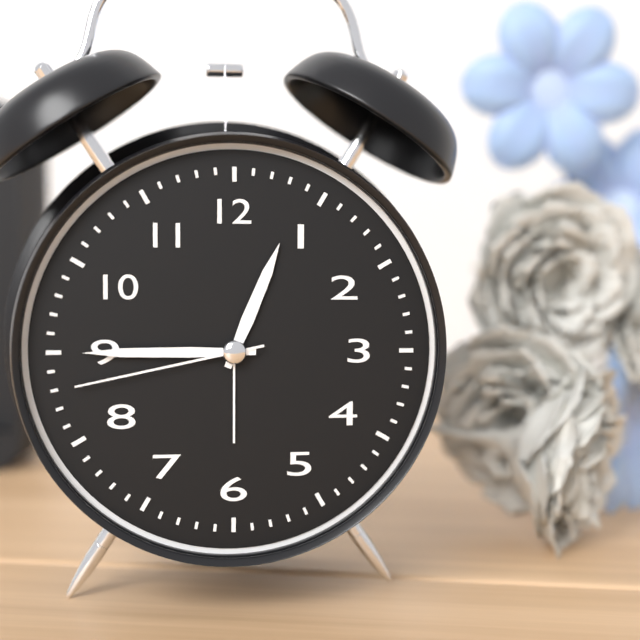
12:45:43
